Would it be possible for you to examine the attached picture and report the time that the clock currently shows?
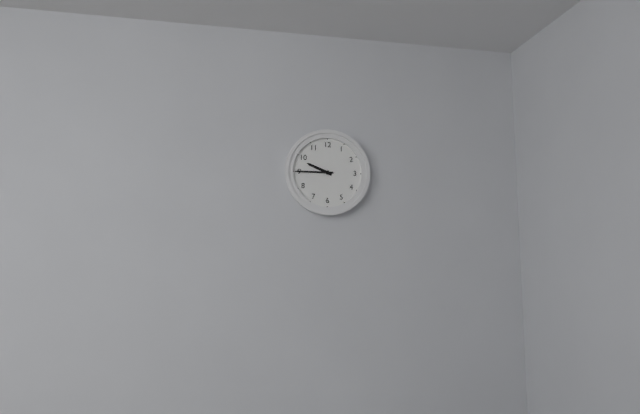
9:45
